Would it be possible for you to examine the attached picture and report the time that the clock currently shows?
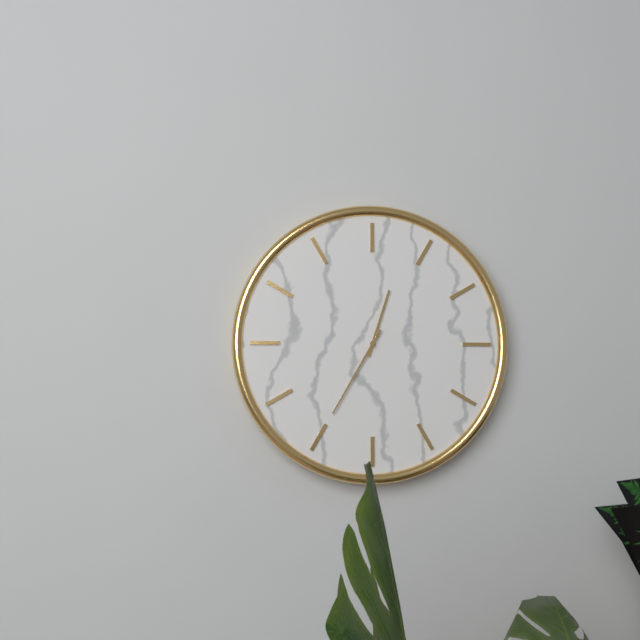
12:35
